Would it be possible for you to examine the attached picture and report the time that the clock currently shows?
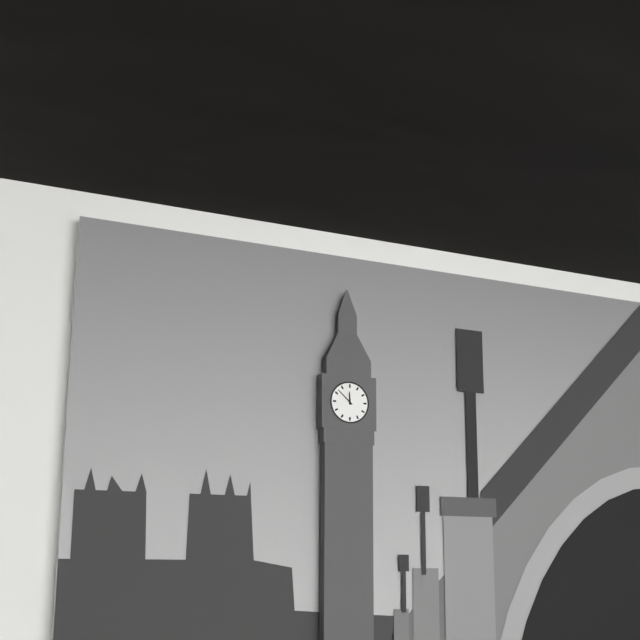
11:52
